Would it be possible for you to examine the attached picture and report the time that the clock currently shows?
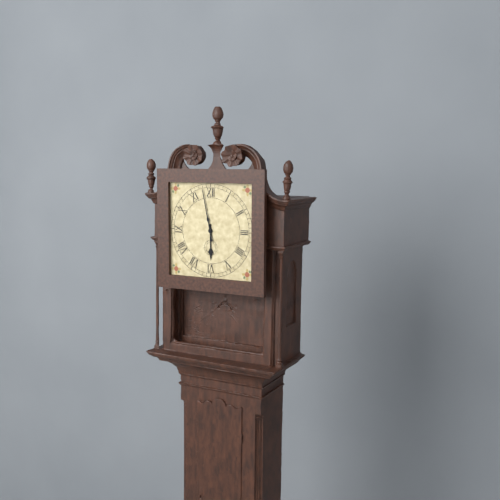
5:58
